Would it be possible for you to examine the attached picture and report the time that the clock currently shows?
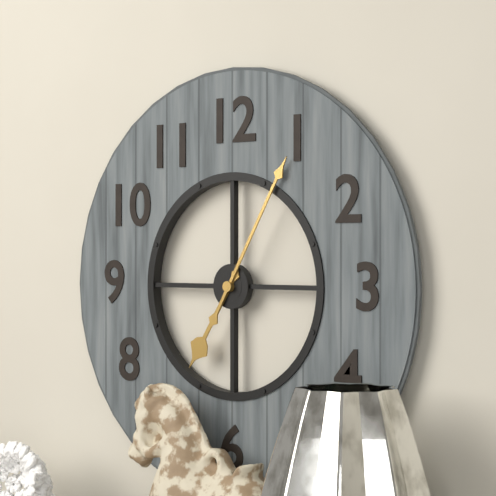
7:05
